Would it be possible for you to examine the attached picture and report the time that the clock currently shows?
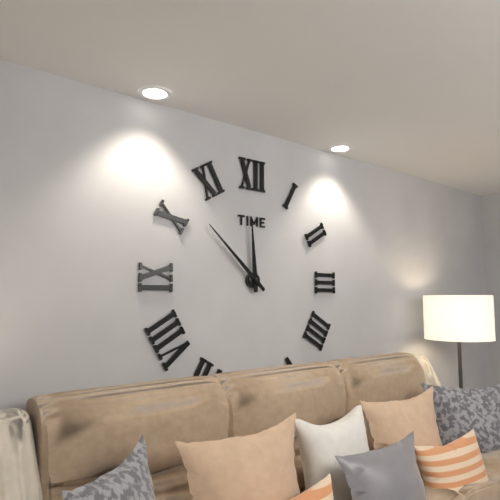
11:52
